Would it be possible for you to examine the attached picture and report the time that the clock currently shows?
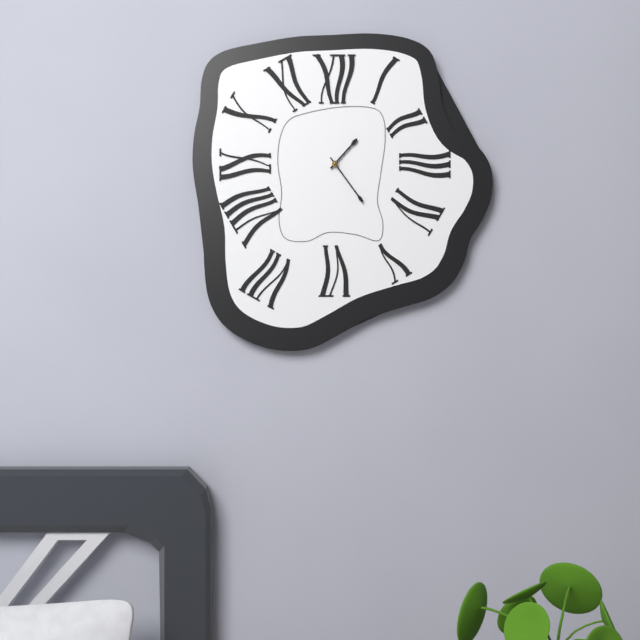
1:24
